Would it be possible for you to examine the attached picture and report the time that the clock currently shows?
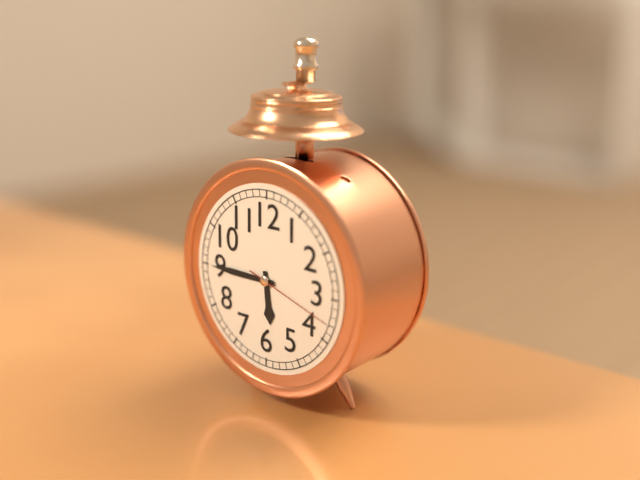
5:45:18
